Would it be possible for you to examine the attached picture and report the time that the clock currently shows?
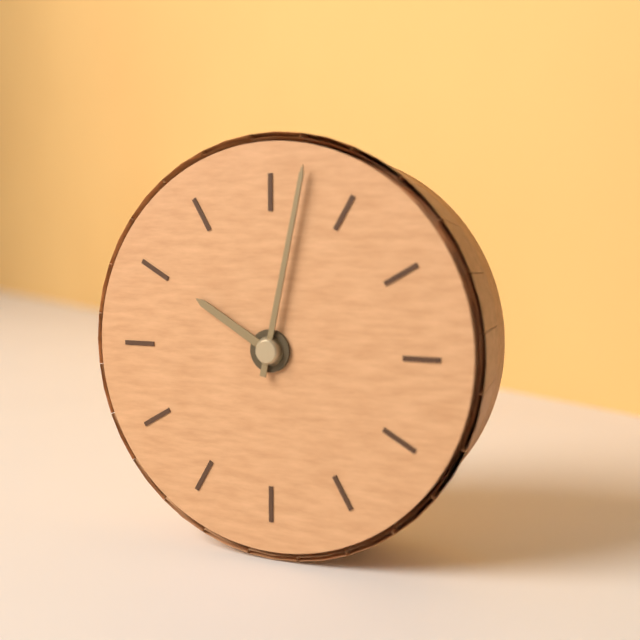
10:02
